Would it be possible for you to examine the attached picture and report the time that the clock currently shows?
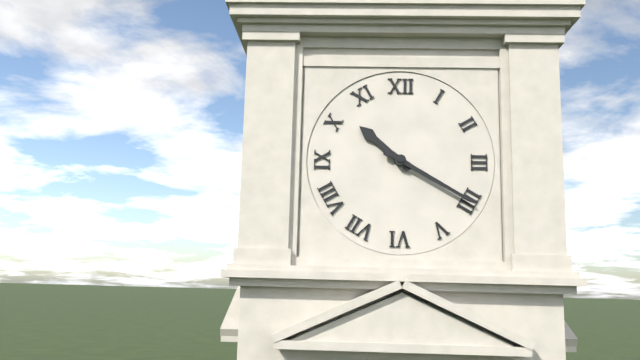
10:20
